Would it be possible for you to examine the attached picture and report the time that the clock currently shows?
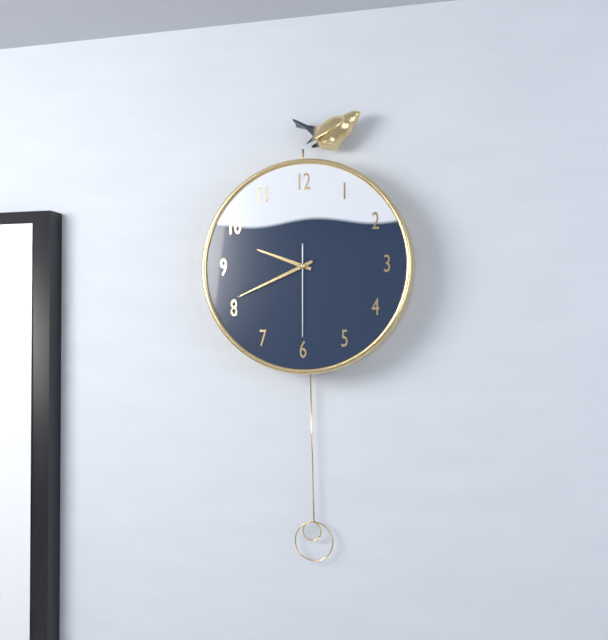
9:41:30
